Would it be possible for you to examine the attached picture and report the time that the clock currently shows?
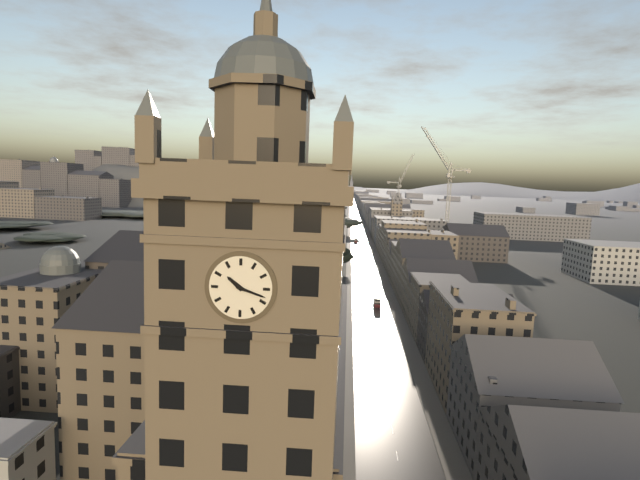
10:18
